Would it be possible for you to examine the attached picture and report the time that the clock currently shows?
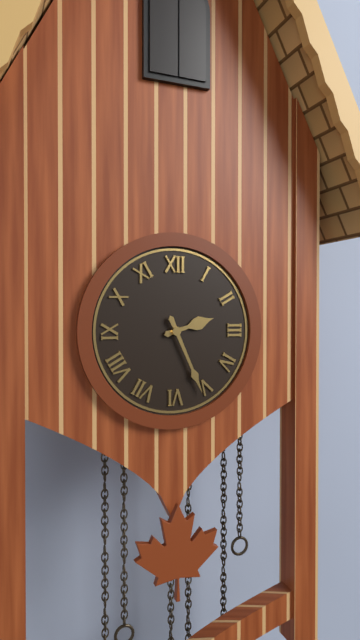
2:26
